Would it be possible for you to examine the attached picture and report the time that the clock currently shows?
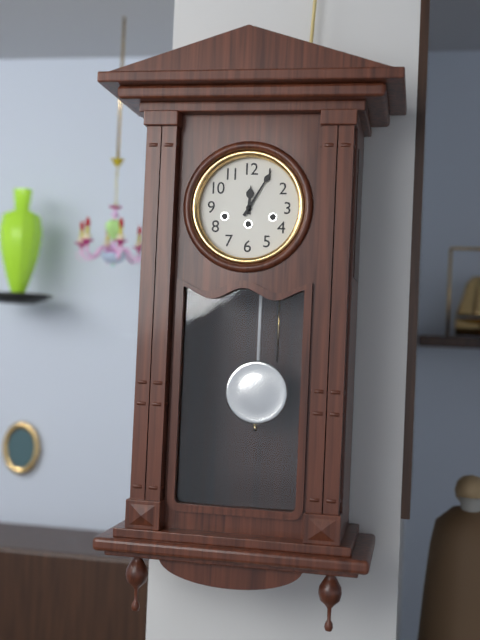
12:05
